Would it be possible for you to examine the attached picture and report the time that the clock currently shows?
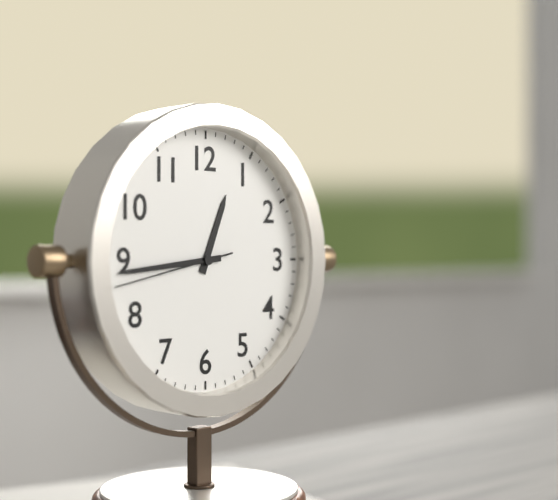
12:44:43
